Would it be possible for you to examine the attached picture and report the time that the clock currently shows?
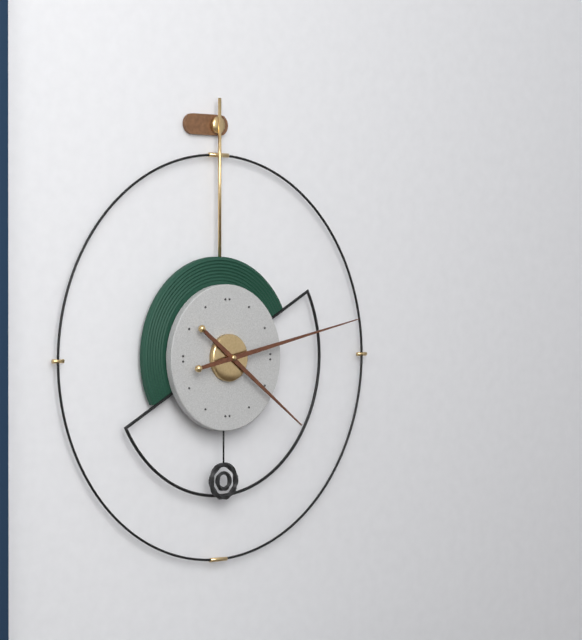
4:13
